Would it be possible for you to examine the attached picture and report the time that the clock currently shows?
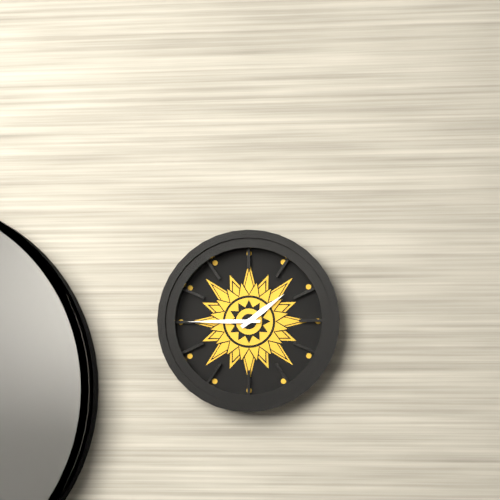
1:45
